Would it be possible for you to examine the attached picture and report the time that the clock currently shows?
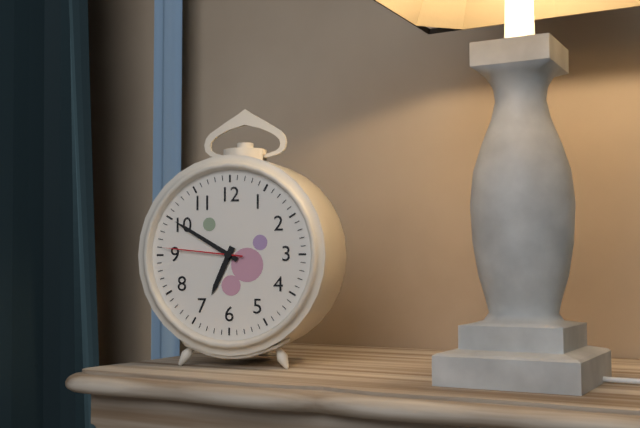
6:50:46
